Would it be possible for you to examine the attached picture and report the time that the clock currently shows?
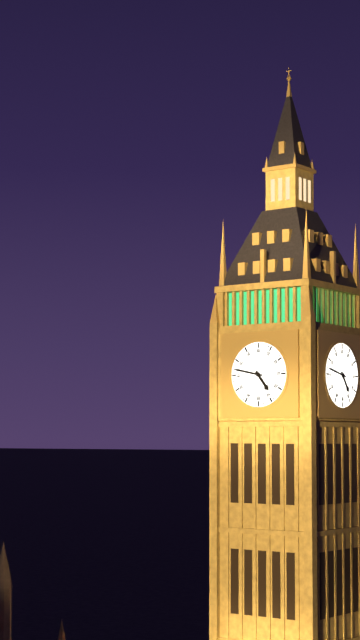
4:47
